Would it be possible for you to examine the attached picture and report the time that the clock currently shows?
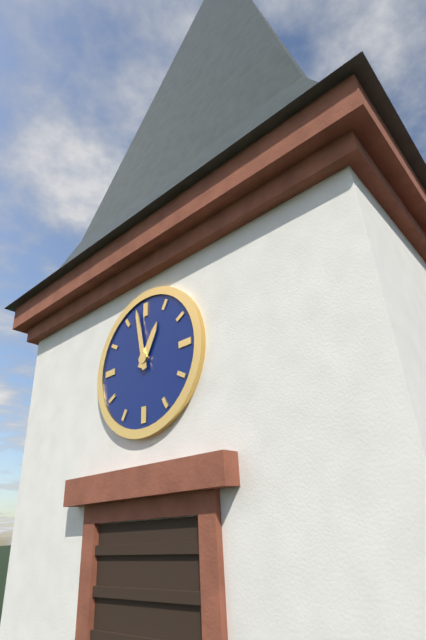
12:58
